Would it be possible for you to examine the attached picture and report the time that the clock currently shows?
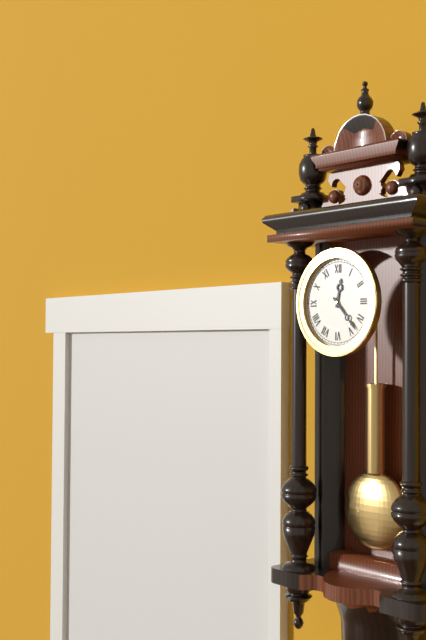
12:23
